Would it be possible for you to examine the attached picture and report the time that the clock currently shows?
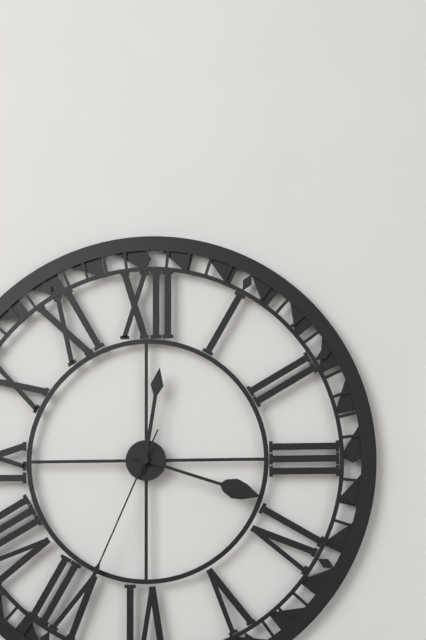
12:18:34
